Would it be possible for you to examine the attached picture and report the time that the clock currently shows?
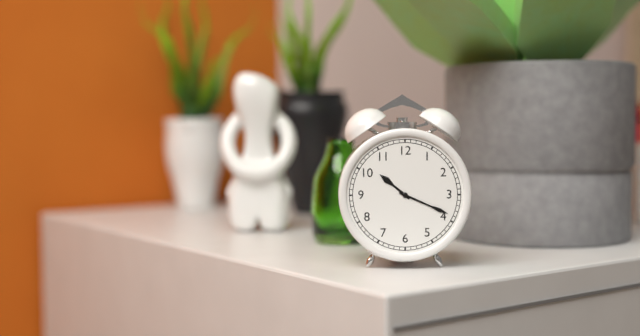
10:19
